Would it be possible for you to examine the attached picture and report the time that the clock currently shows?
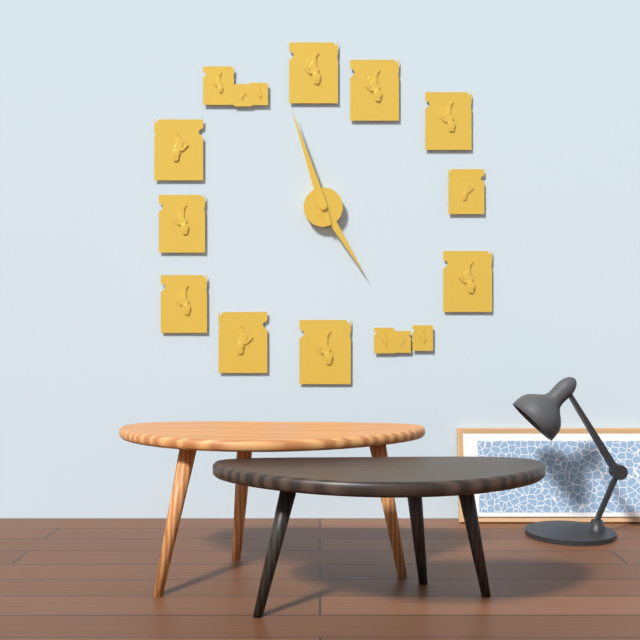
4:57
